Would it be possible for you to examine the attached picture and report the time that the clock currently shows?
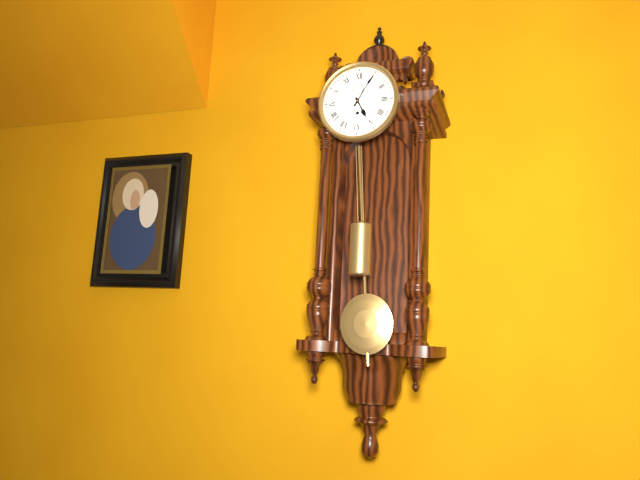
5:05
